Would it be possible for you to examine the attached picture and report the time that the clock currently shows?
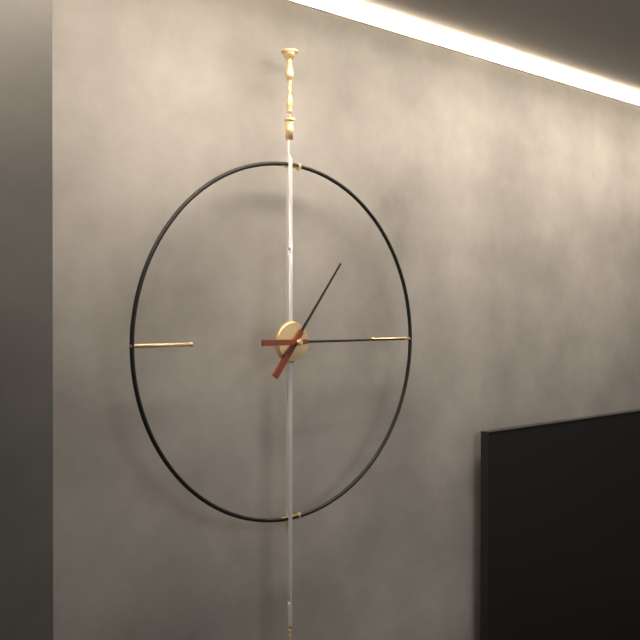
1:15
